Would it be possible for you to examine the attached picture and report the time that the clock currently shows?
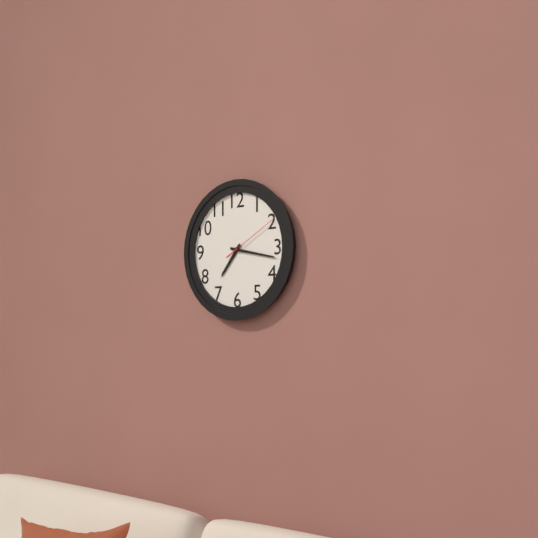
7:17:10
